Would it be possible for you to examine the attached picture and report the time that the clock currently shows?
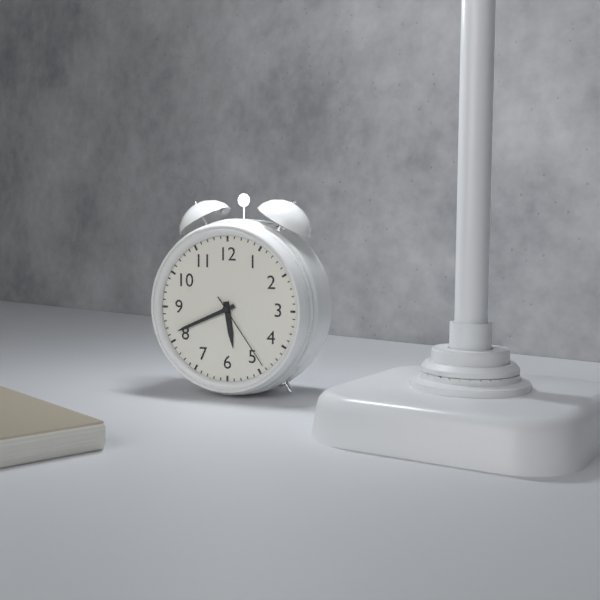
5:41:24
